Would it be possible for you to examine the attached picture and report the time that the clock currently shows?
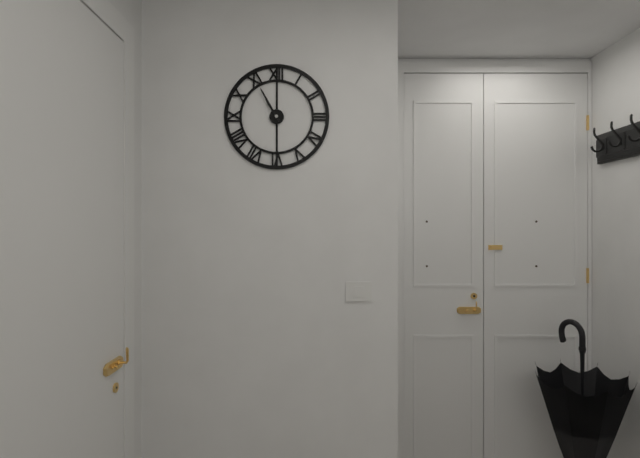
10:55
